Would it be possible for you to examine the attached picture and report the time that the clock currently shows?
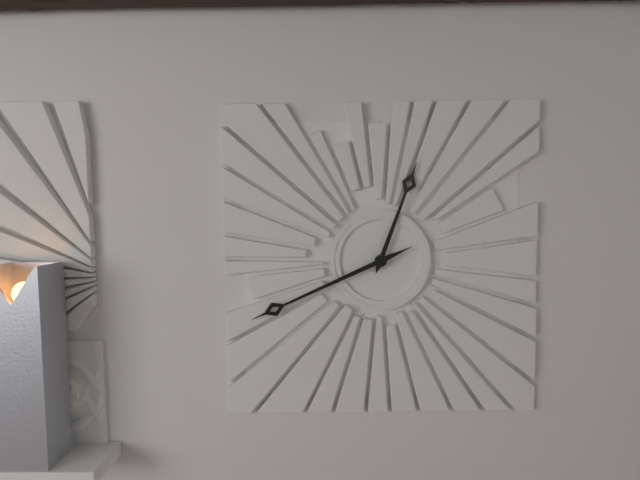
12:41
